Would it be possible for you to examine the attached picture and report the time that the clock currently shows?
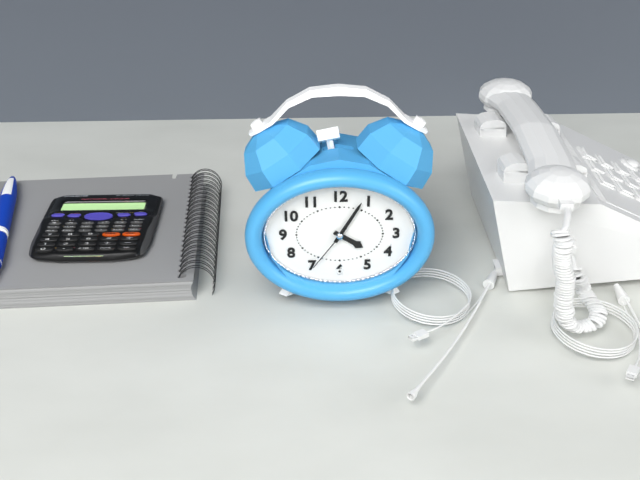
4:05:36
